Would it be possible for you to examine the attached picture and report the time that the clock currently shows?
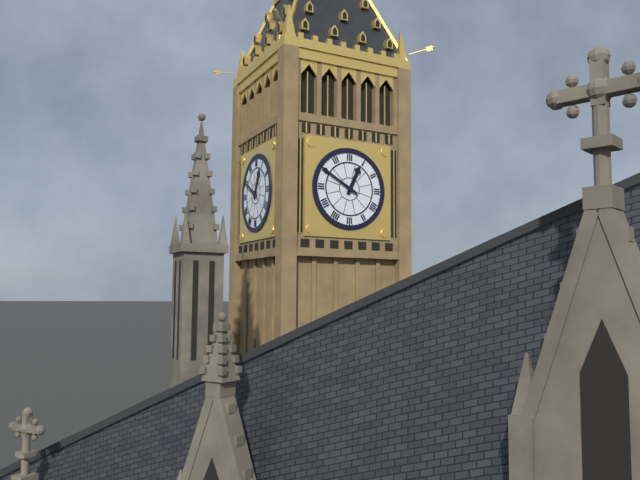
12:50
